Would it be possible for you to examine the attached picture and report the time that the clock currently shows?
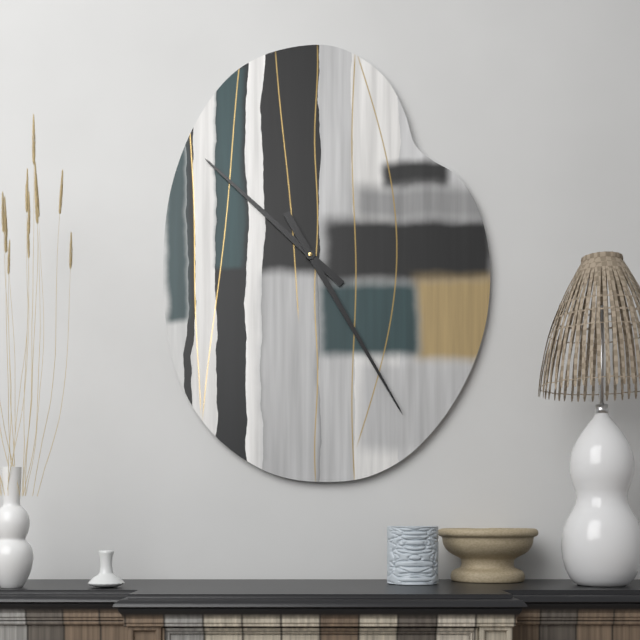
10:25
